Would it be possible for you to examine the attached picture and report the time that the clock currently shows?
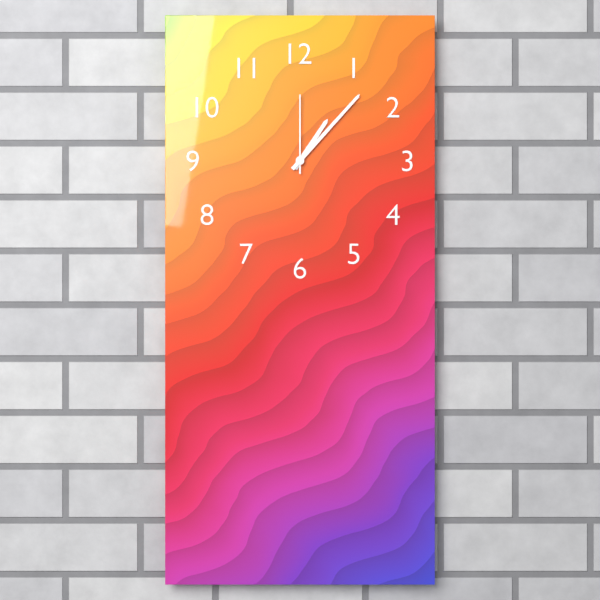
1:07:00
